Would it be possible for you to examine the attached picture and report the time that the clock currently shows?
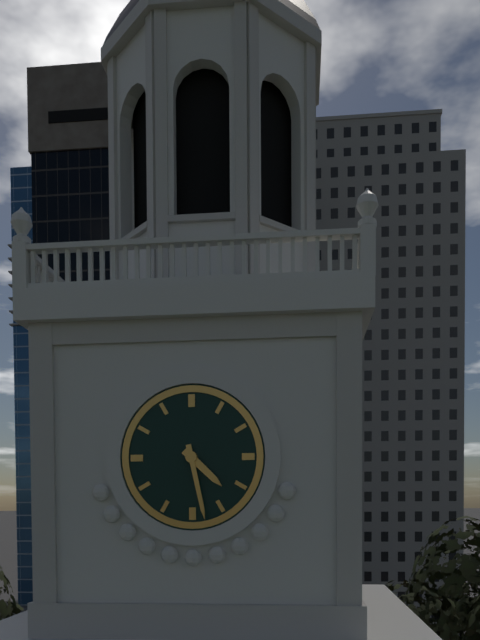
4:28
